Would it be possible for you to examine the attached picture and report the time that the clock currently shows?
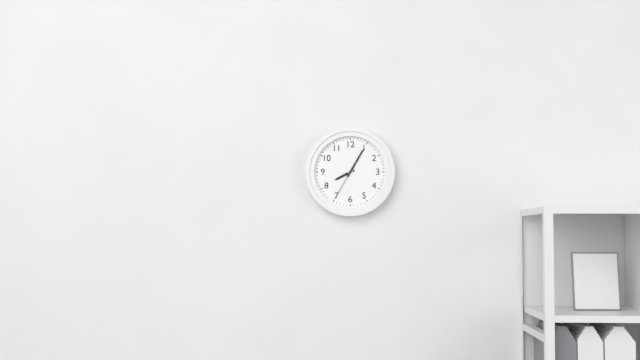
8:05
